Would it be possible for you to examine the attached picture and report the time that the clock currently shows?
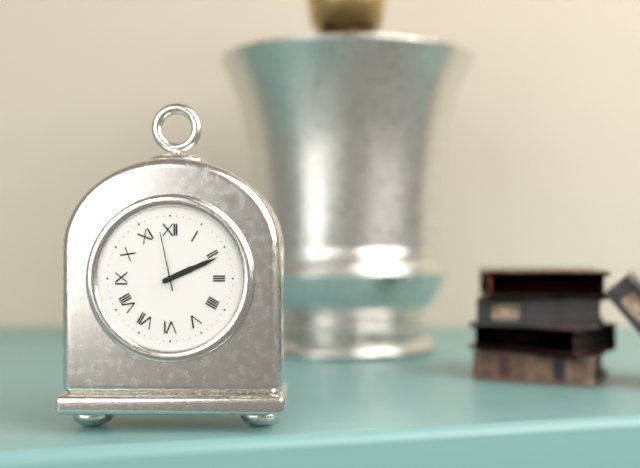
2:11:58
